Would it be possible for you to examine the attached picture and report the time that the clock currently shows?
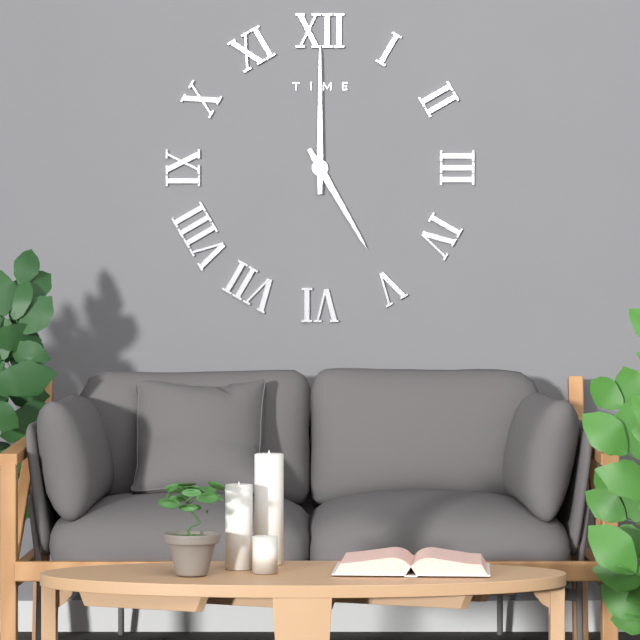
5:00
